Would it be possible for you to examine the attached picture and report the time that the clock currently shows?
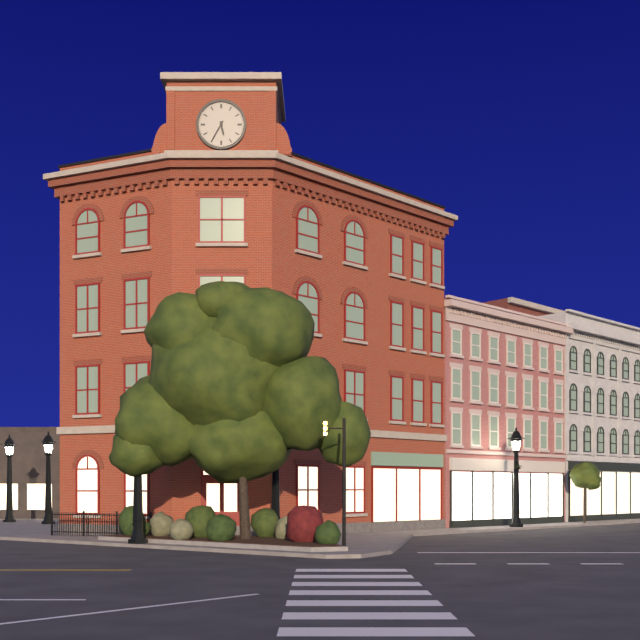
5:35
